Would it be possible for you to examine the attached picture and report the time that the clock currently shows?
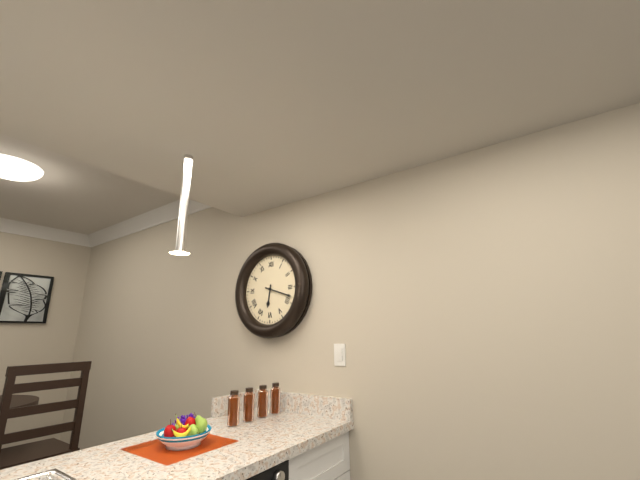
6:18
